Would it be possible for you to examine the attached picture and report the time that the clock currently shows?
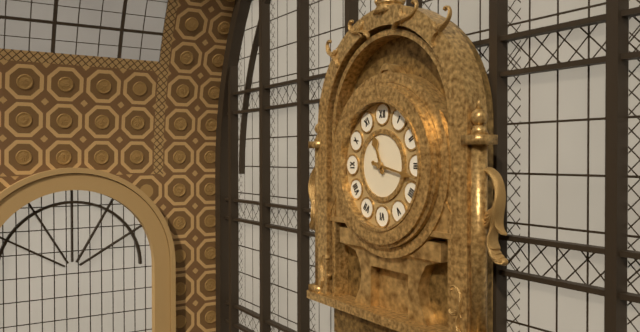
11:17
